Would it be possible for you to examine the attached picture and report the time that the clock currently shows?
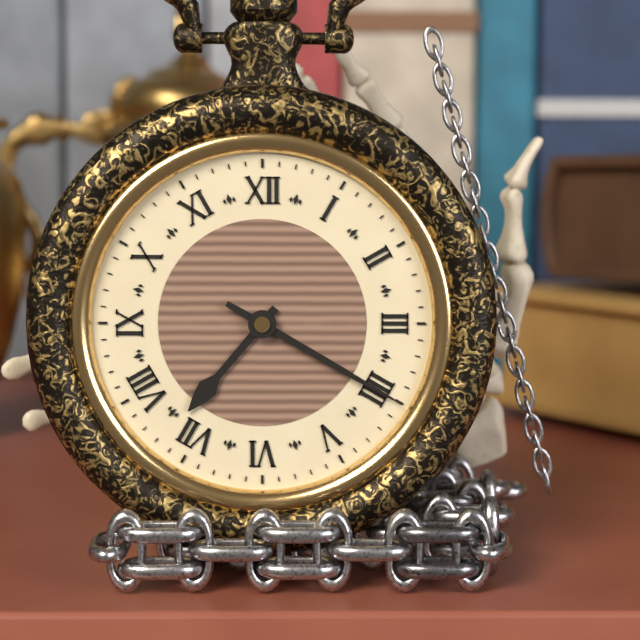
7:20
